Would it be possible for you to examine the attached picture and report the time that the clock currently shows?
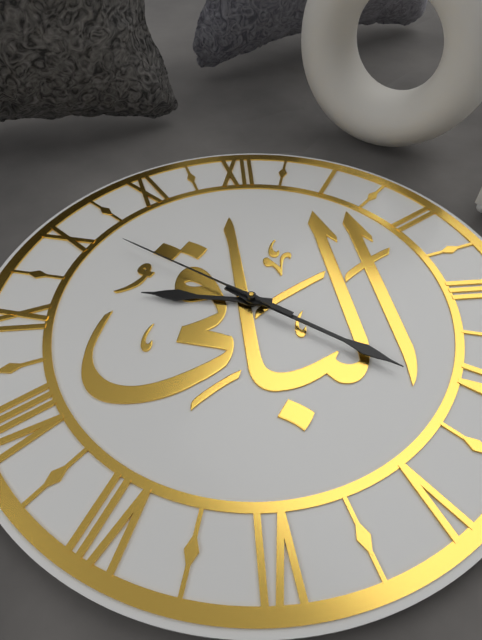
9:21:51
